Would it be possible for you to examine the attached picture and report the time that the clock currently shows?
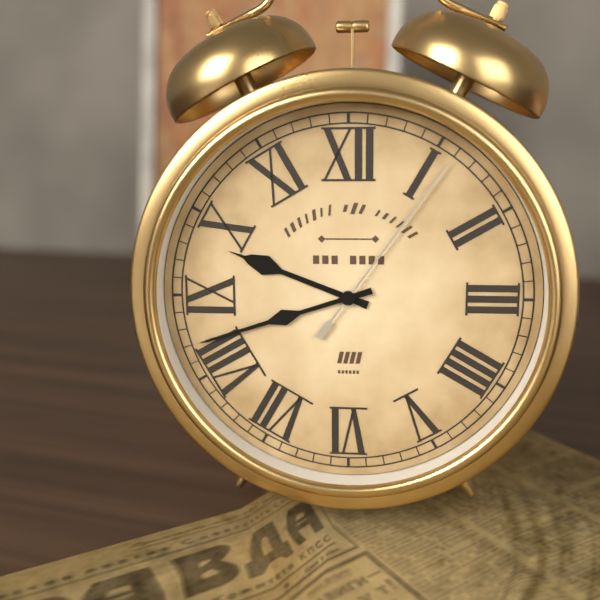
9:42:06
